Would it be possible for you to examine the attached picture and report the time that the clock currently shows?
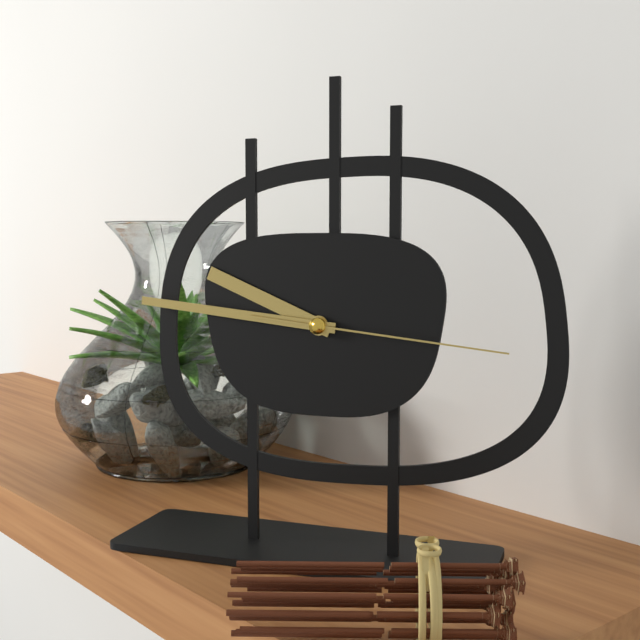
9:46:16
